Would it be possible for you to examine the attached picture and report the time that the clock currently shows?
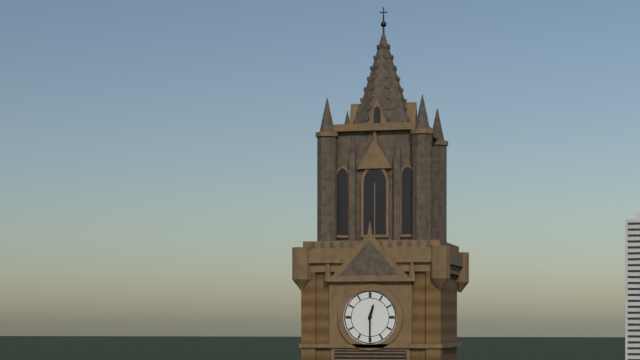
12:30
